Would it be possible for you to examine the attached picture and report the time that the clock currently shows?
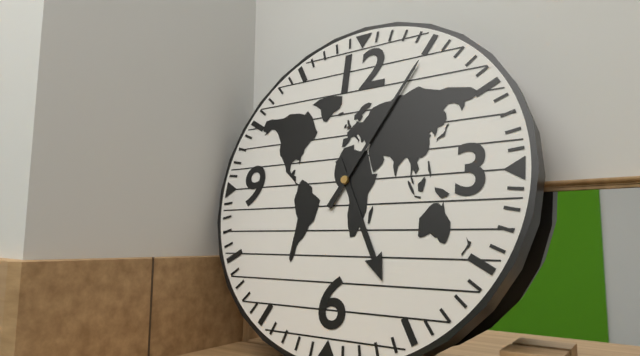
5:05
